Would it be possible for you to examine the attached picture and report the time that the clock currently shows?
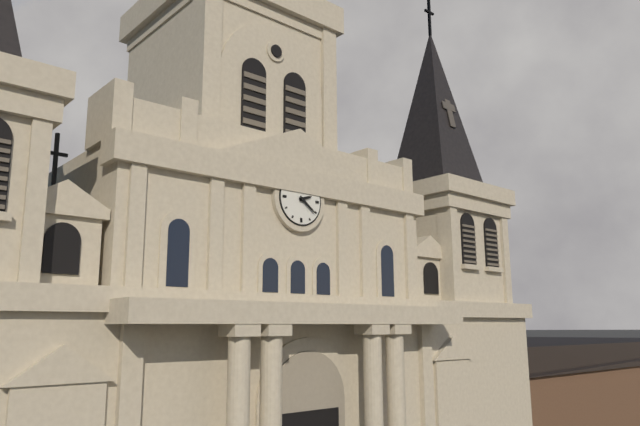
2:21
